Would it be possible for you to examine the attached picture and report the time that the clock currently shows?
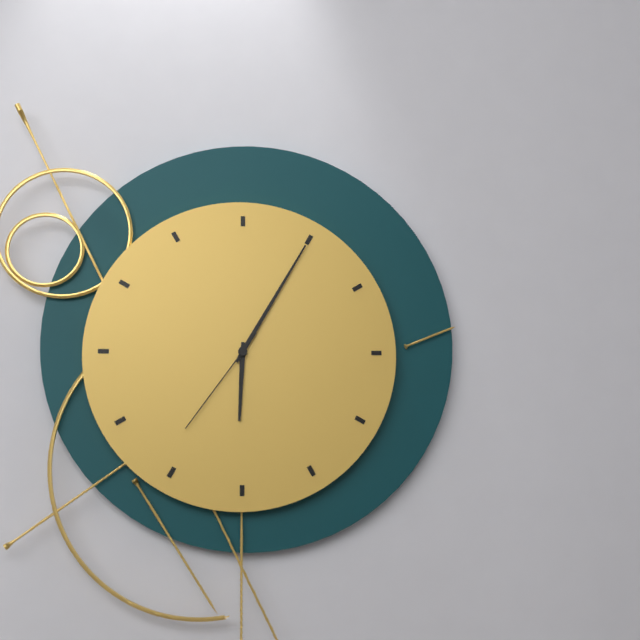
6:05:36
